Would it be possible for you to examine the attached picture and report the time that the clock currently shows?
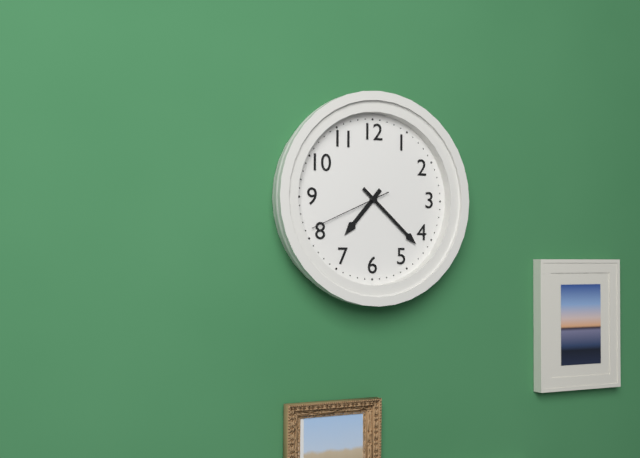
7:22:41
